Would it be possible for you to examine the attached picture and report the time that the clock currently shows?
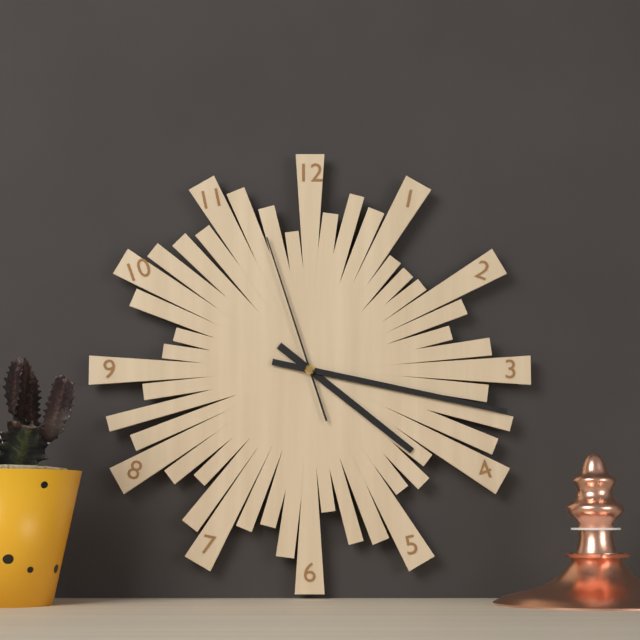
4:17:57
